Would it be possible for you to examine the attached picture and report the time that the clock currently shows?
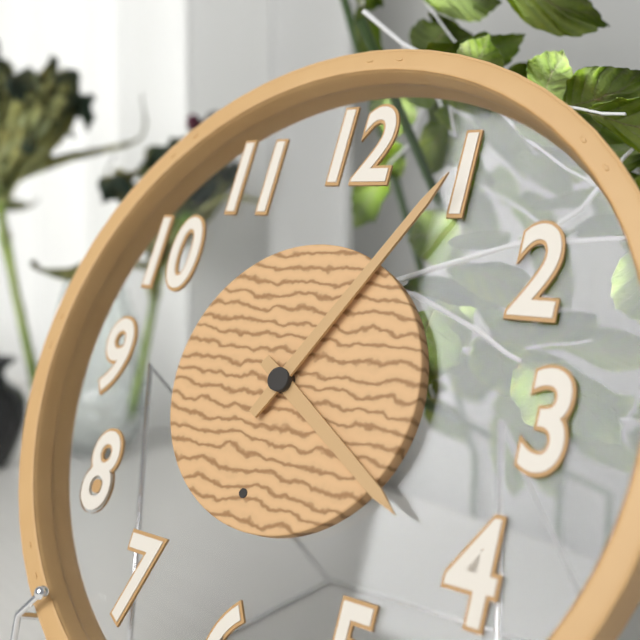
4:05
